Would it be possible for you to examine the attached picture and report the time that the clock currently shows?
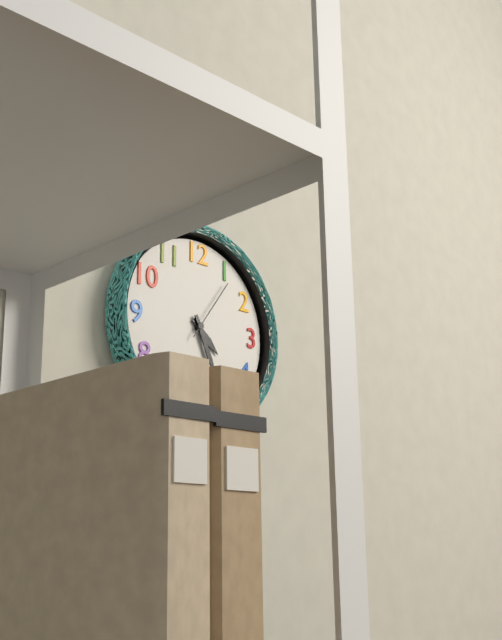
4:26:06
